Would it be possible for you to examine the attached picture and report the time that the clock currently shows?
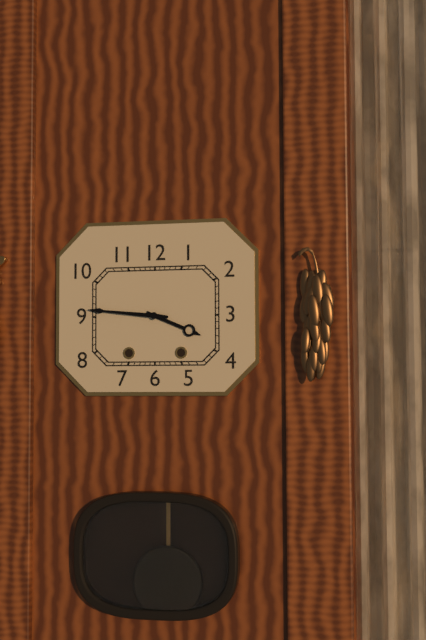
3:46
